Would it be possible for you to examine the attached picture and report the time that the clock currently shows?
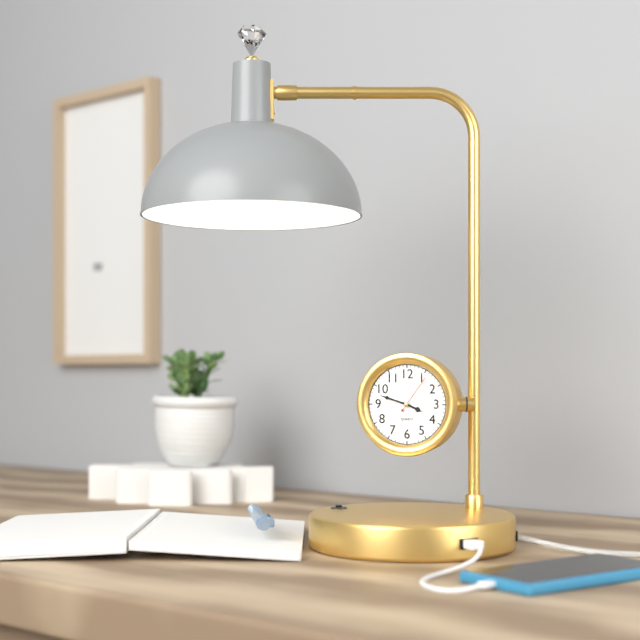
3:48
